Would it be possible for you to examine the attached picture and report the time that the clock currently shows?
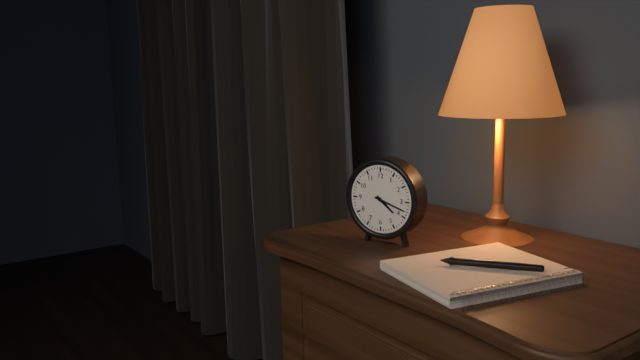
4:18
